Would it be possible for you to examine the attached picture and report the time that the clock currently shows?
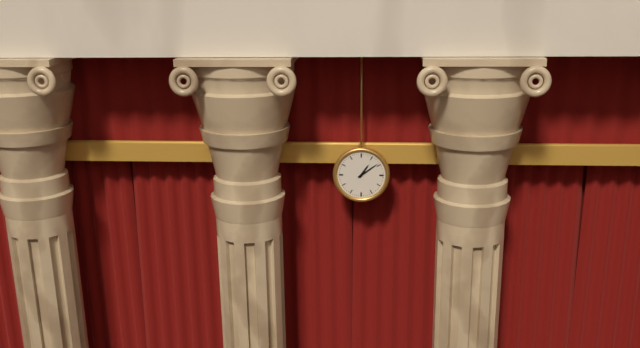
1:09
